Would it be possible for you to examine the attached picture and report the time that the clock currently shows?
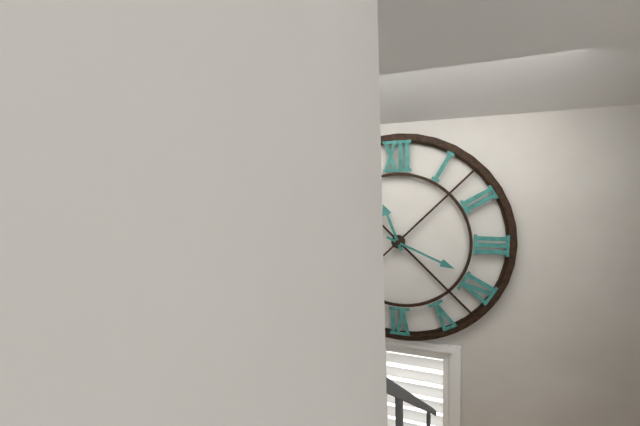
11:19
